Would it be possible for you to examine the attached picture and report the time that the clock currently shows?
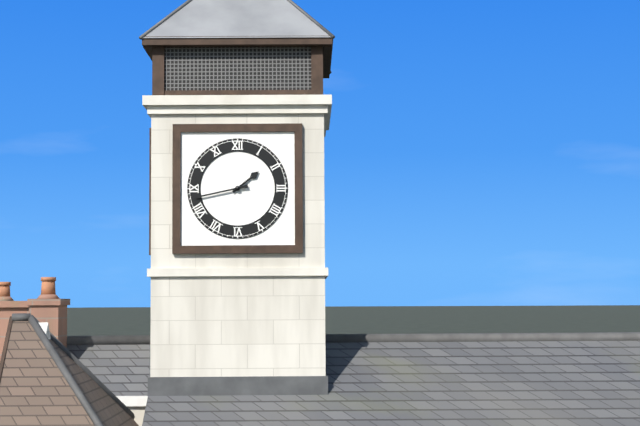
1:43
